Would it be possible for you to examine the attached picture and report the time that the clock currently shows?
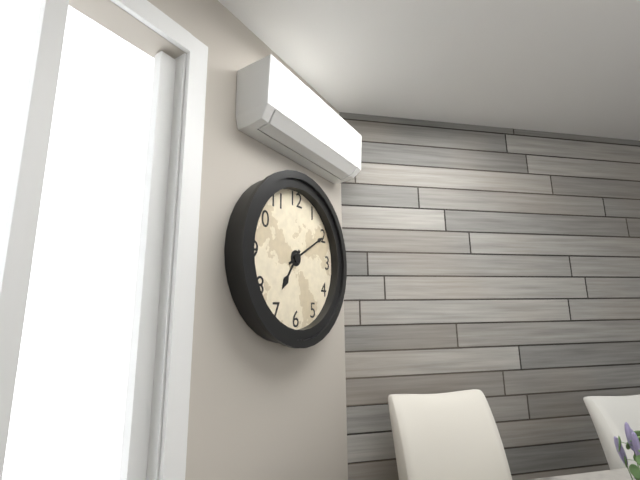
7:10
